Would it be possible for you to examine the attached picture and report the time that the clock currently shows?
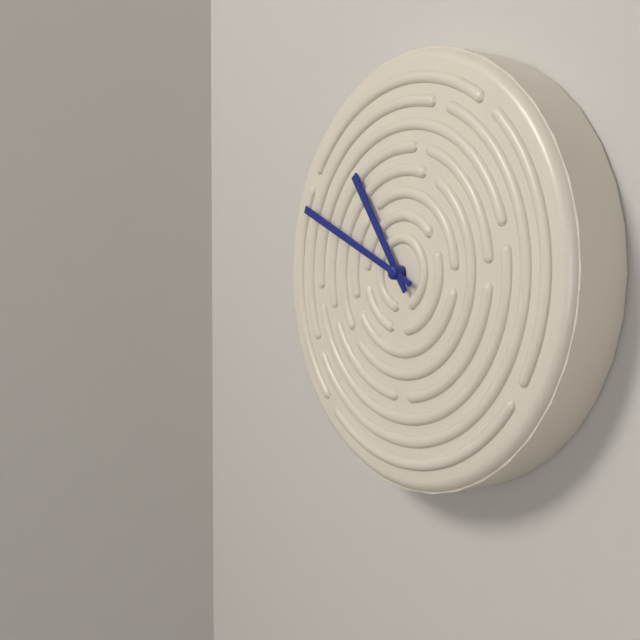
10:49
